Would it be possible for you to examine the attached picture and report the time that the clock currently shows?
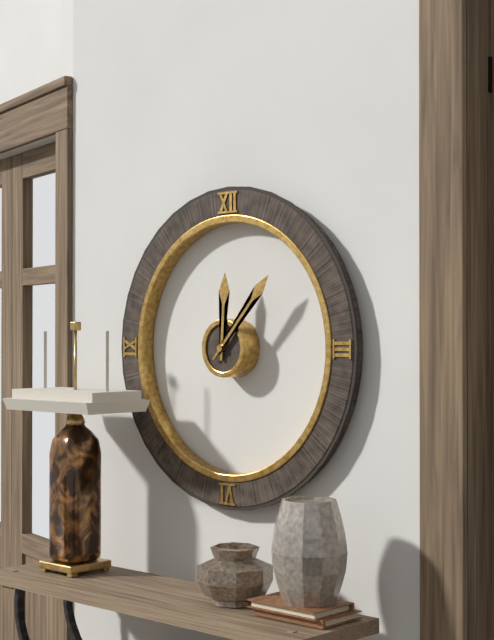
12:07
